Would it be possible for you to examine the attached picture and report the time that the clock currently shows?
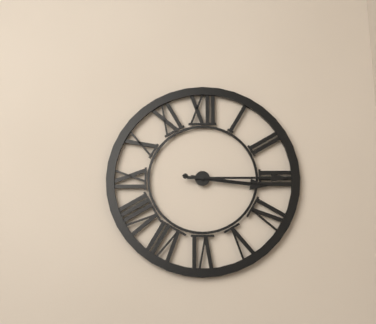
3:15:16
